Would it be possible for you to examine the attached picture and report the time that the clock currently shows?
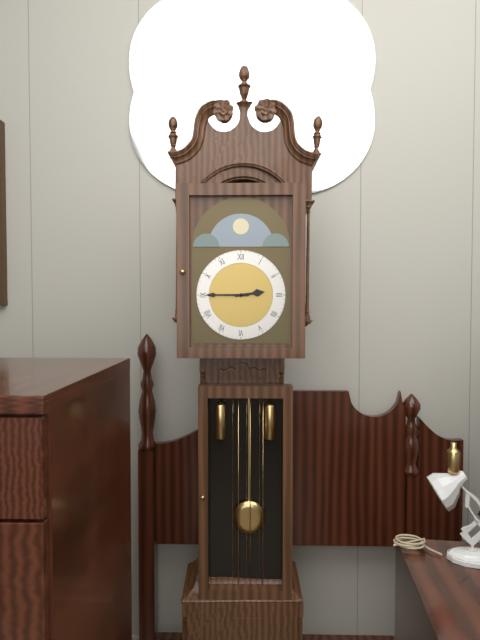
2:45
